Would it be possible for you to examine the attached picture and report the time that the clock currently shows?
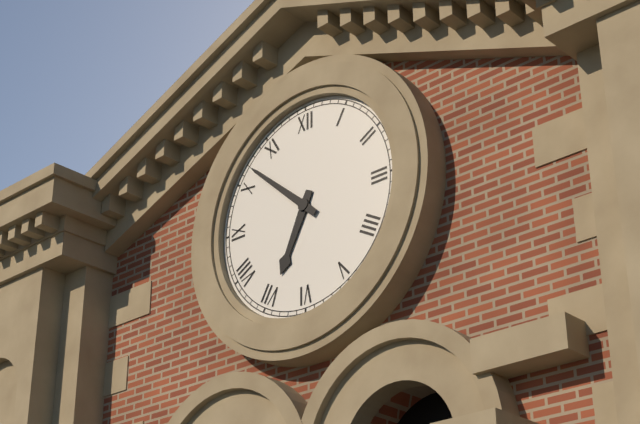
6:52
